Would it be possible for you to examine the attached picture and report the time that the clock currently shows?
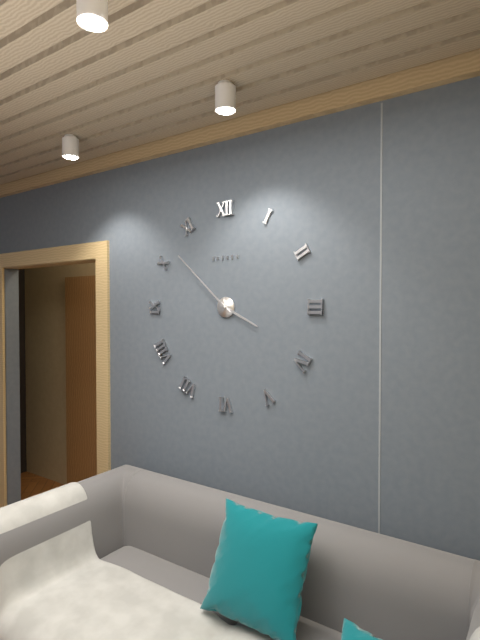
3:52
